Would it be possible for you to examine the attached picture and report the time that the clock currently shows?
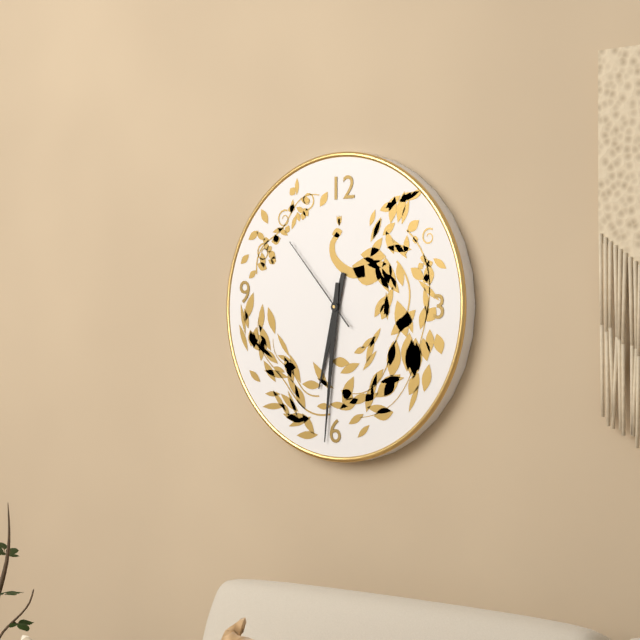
6:31:53
